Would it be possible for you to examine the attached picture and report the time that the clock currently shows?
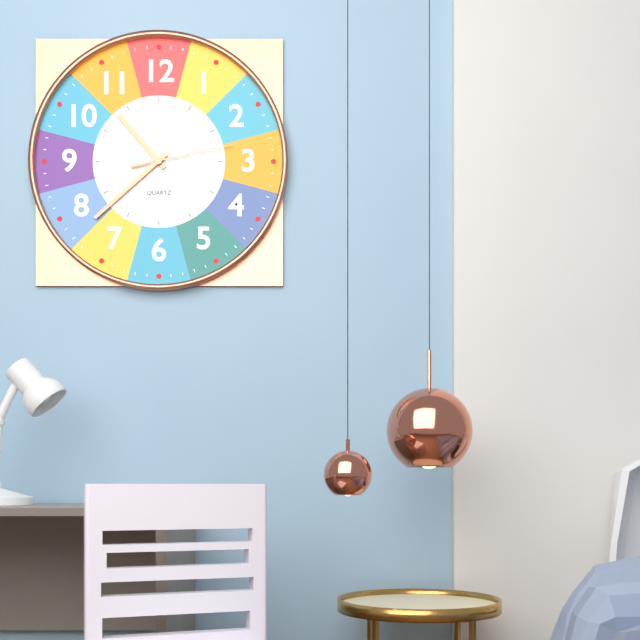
10:38:13
